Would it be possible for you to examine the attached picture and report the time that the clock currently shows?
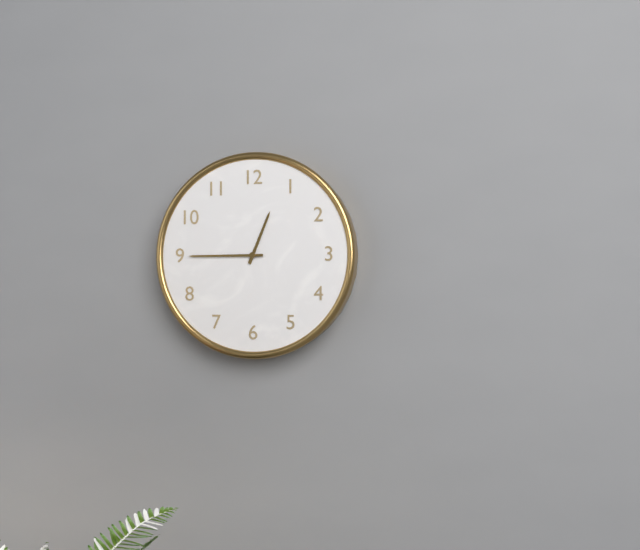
12:45
